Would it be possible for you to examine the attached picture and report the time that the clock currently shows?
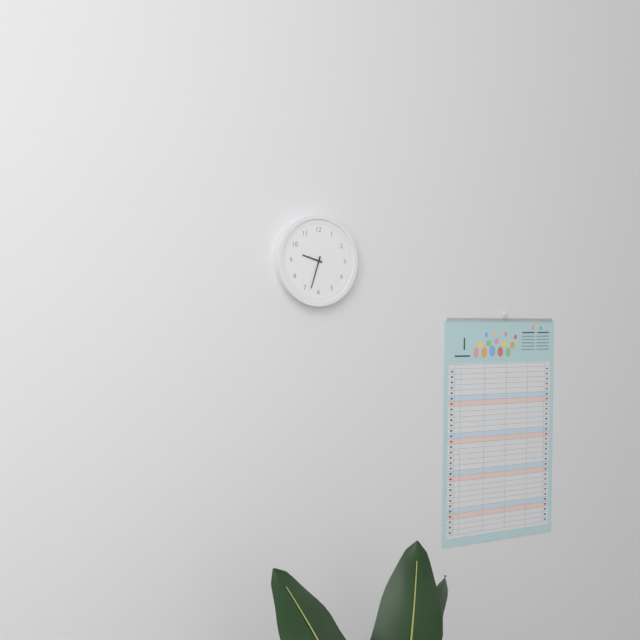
9:33
